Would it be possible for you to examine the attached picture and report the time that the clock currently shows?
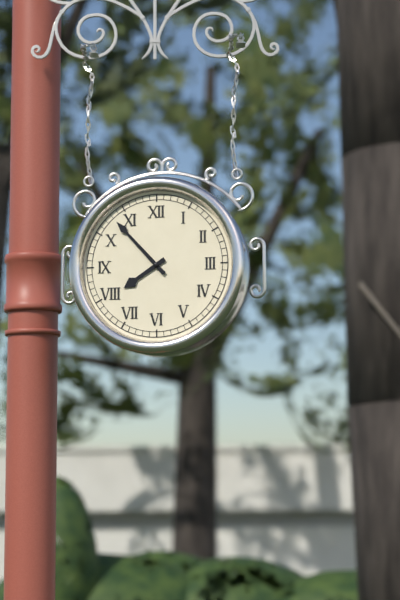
7:53
